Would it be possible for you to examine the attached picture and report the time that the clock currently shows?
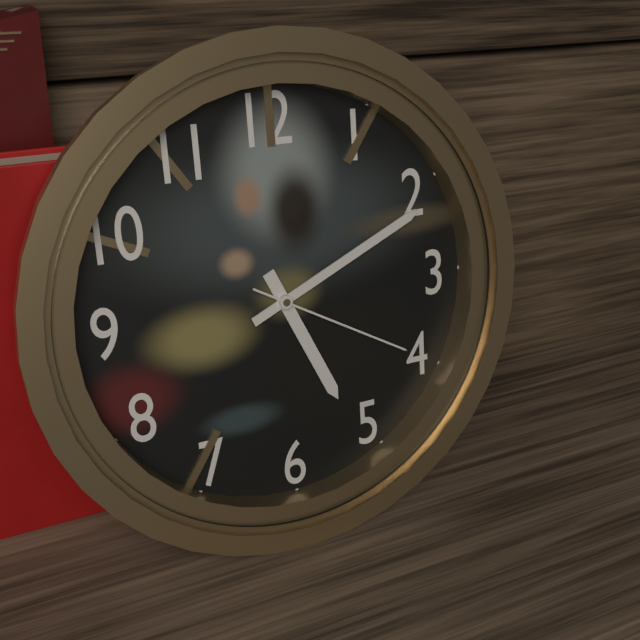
5:11:20
